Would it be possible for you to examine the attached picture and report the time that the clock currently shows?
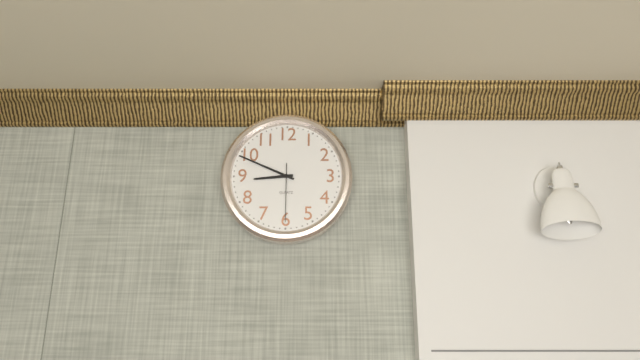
8:49:30
